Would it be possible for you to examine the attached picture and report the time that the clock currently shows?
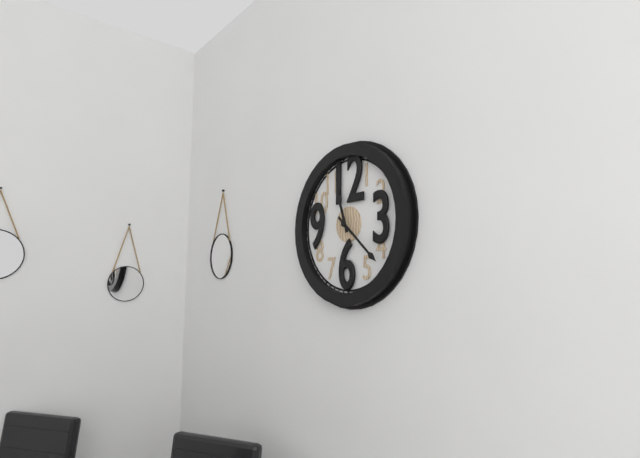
11:22
